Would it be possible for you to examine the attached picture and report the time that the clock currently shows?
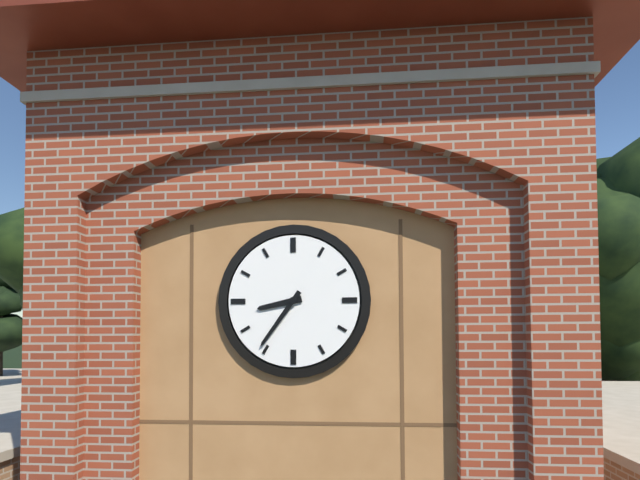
8:36
